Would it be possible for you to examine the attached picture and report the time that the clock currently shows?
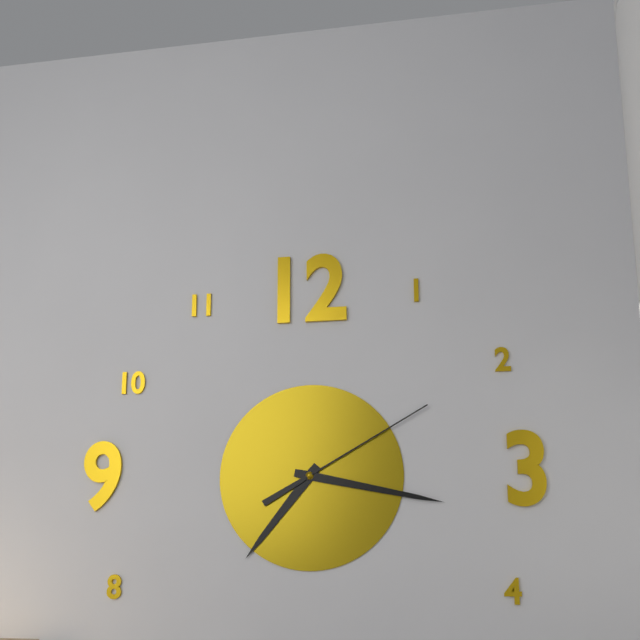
7:17:10
